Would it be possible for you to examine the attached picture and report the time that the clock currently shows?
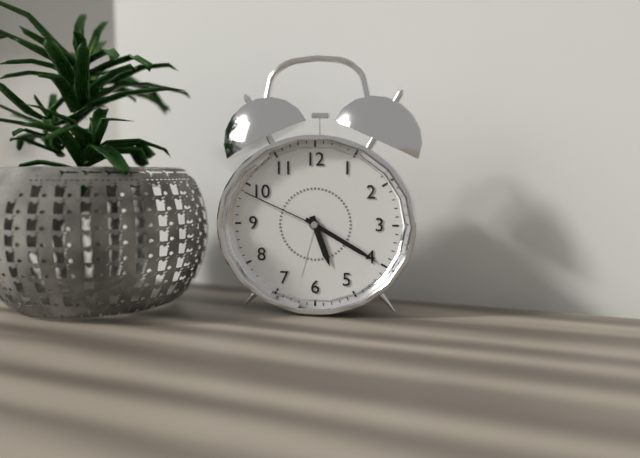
5:20:49
